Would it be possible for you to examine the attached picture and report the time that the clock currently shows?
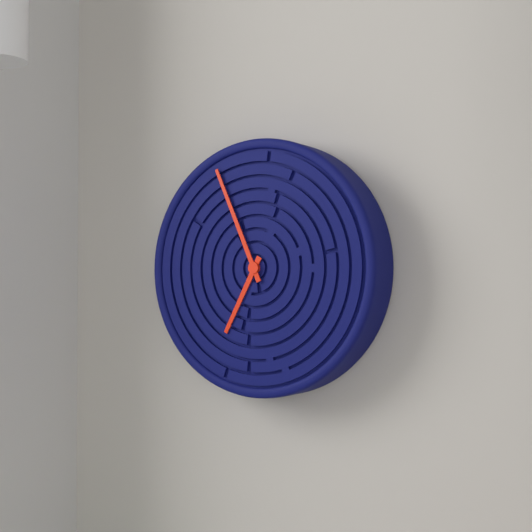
6:56
